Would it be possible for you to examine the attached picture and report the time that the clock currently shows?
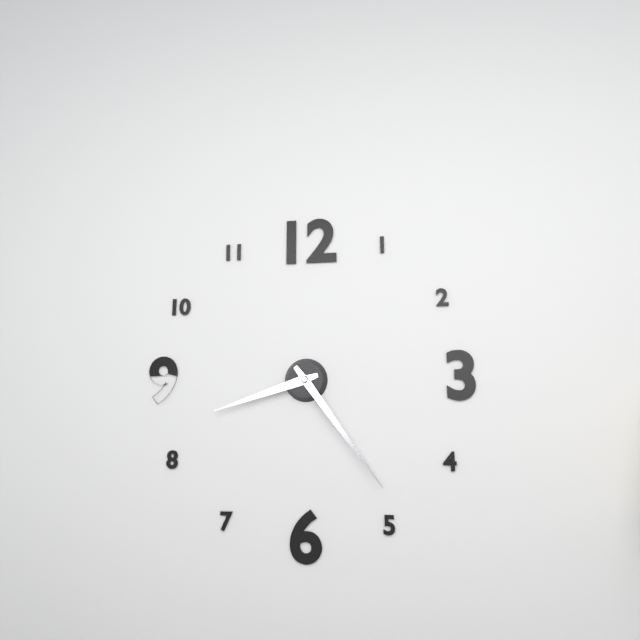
8:24
